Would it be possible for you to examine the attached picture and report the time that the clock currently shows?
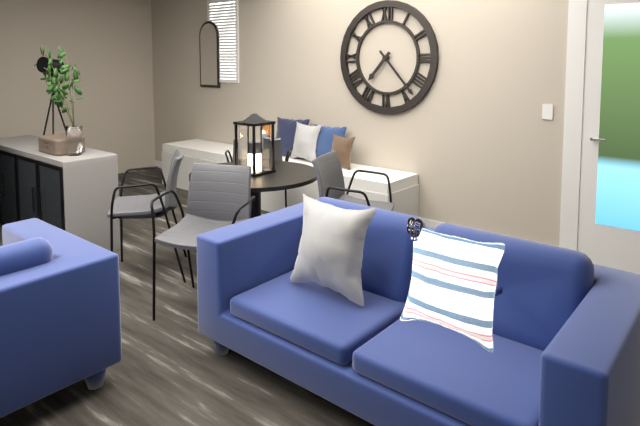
7:23
